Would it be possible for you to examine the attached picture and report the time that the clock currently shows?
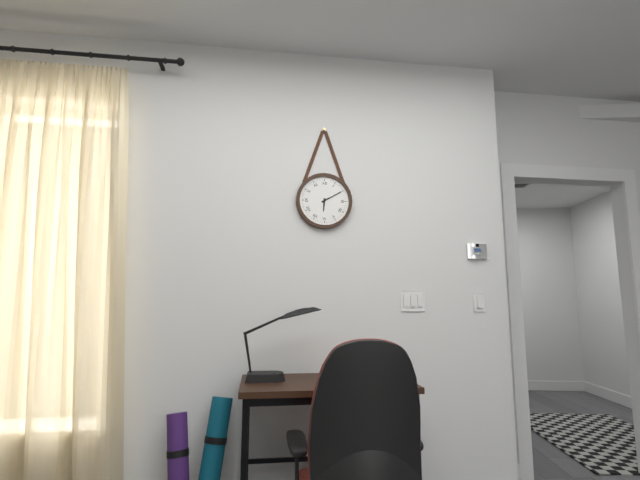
6:10
